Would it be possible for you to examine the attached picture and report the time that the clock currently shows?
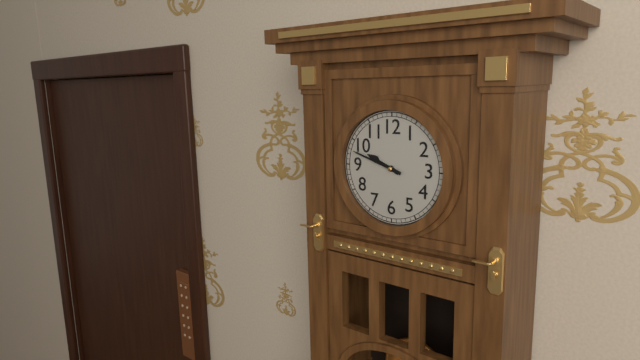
9:48
